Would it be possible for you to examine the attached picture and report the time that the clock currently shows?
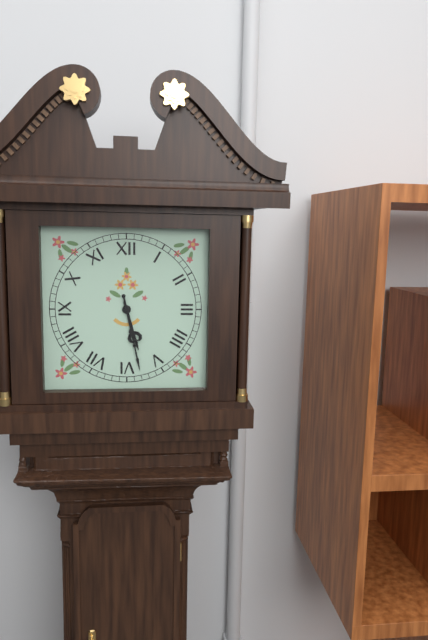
5:28
